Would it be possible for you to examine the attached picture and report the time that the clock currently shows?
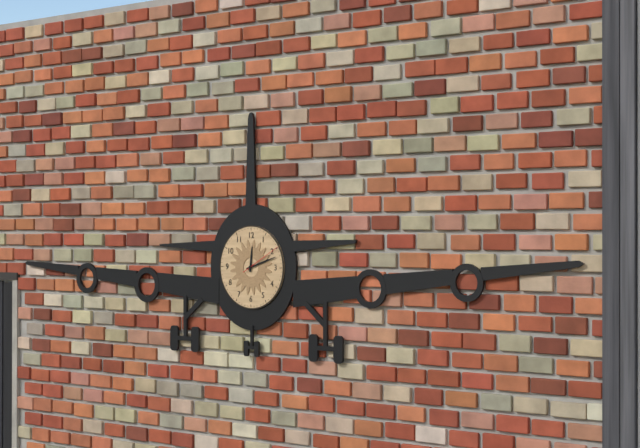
12:12
